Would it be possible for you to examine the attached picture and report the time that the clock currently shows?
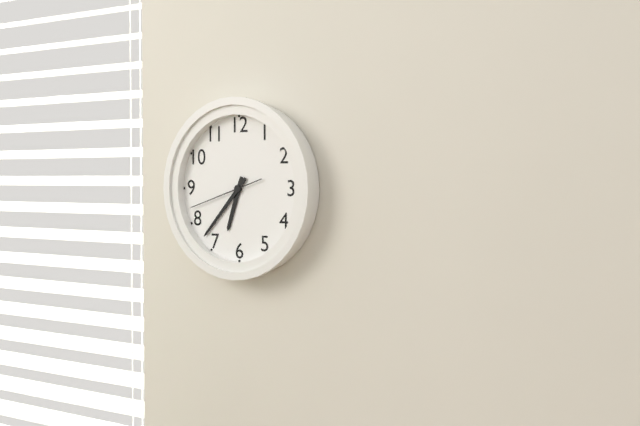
6:37:42
